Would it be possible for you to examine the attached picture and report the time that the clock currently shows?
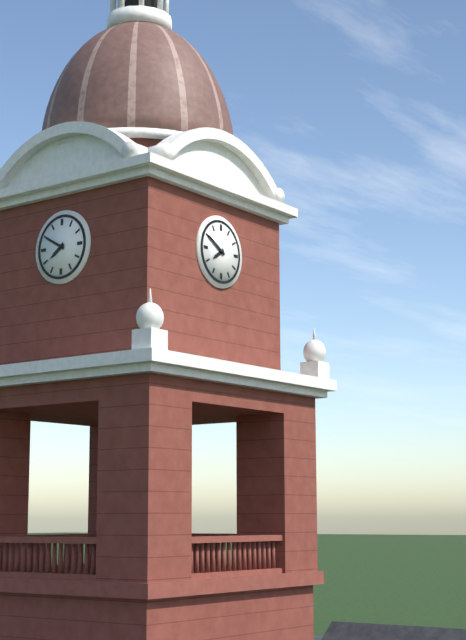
7:50
